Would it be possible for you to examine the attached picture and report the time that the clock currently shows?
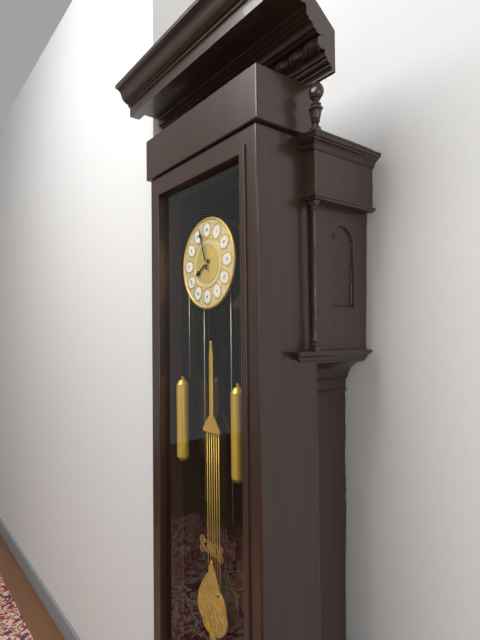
7:57
